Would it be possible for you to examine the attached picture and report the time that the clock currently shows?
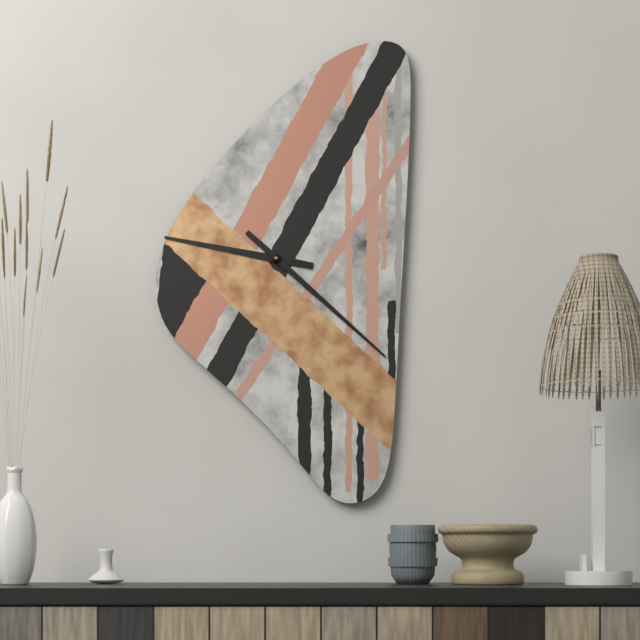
9:22
